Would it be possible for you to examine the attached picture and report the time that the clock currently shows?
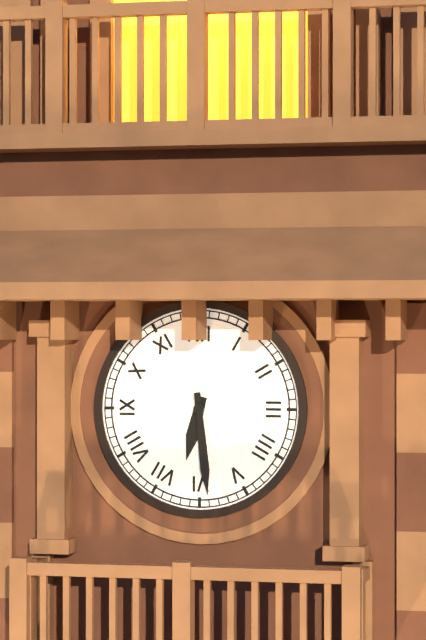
6:29
